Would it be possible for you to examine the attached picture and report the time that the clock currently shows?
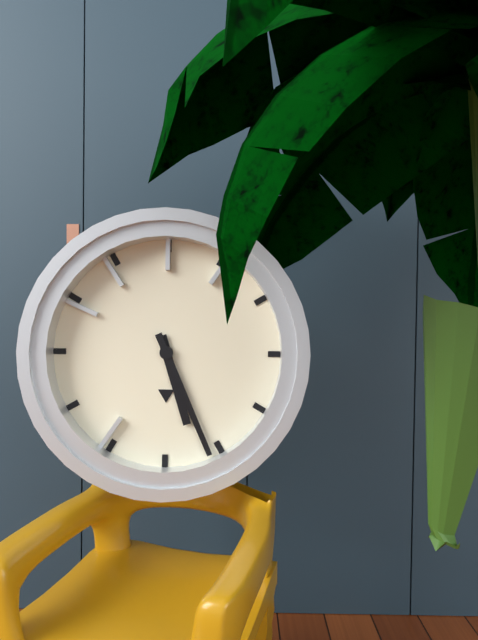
5:26
